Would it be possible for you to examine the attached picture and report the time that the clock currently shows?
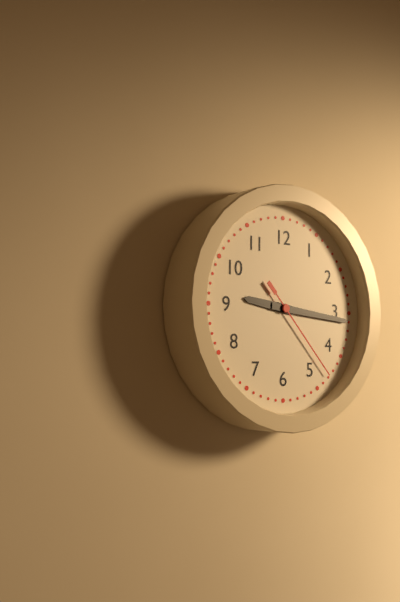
9:16:23
